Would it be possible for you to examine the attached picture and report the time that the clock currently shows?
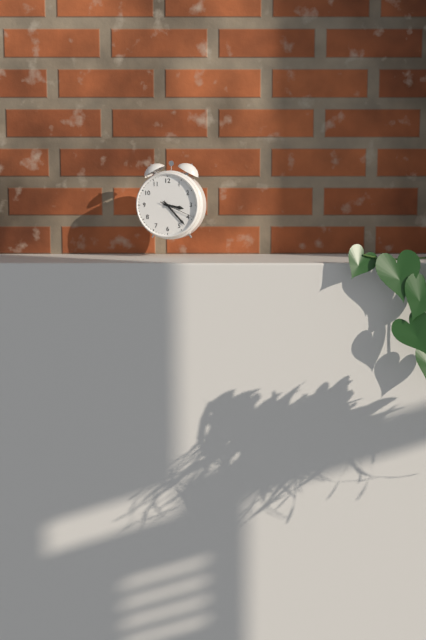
3:23
